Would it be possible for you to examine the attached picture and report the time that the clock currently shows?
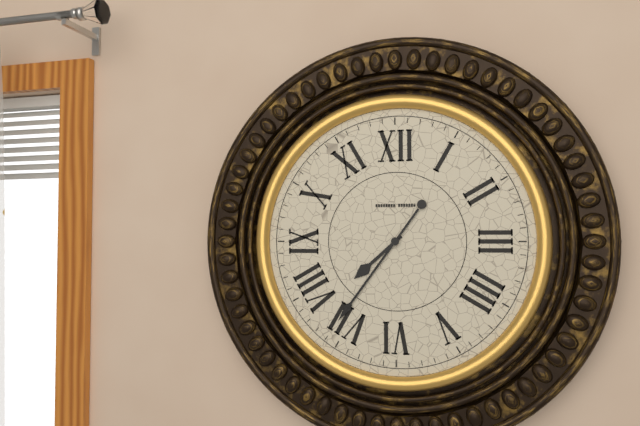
7:36
